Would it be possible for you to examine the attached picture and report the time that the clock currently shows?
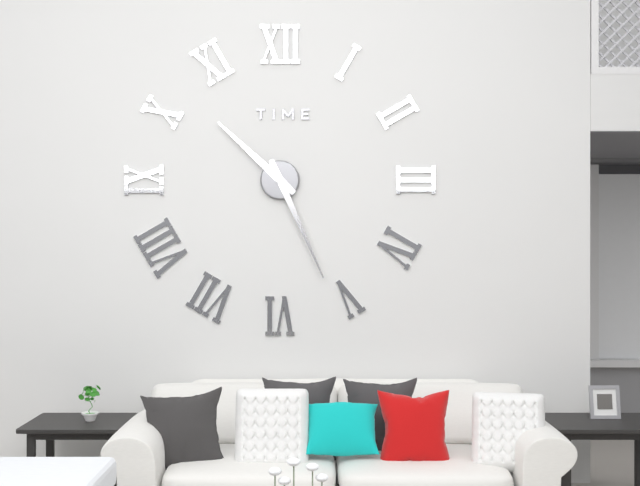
10:26
